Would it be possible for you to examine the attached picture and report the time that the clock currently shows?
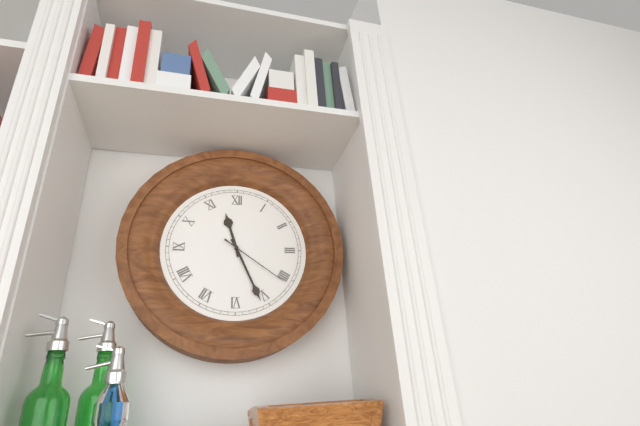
11:26:21
